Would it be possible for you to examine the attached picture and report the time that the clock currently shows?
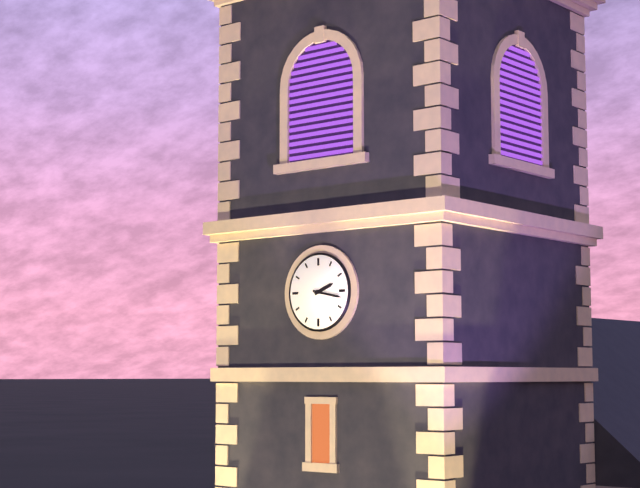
2:17
